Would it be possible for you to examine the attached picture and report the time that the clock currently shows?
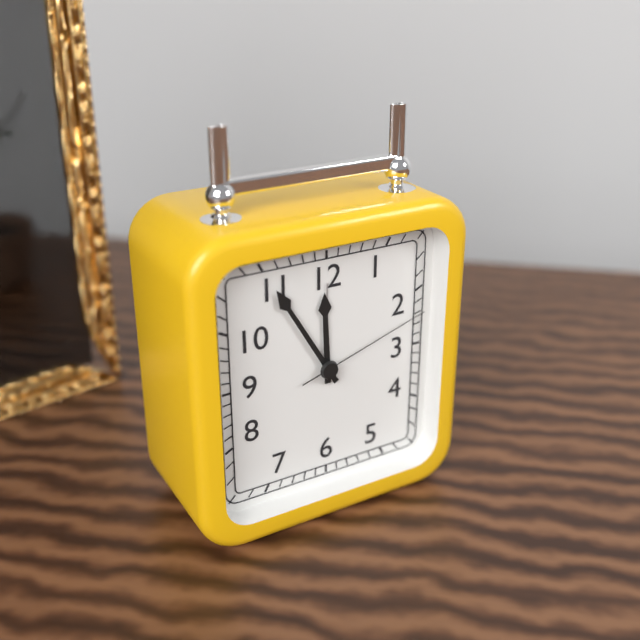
11:55:12
